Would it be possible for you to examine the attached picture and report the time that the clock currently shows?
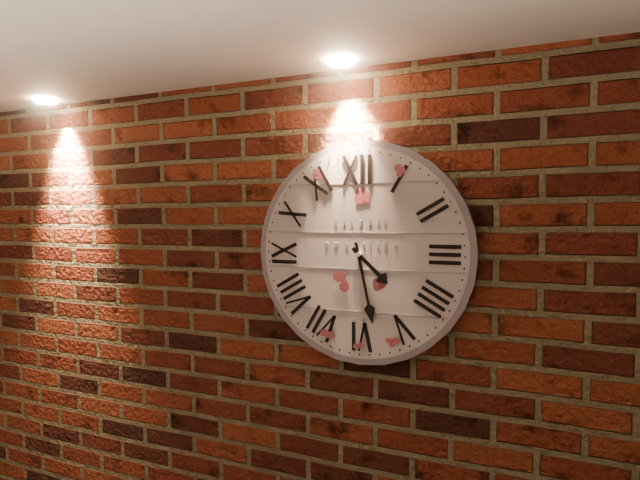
4:28
